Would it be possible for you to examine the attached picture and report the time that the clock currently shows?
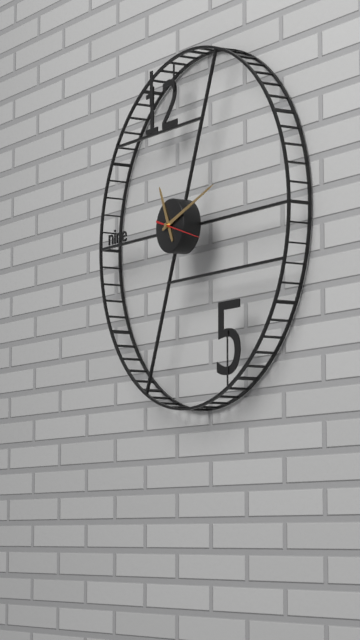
11:12
